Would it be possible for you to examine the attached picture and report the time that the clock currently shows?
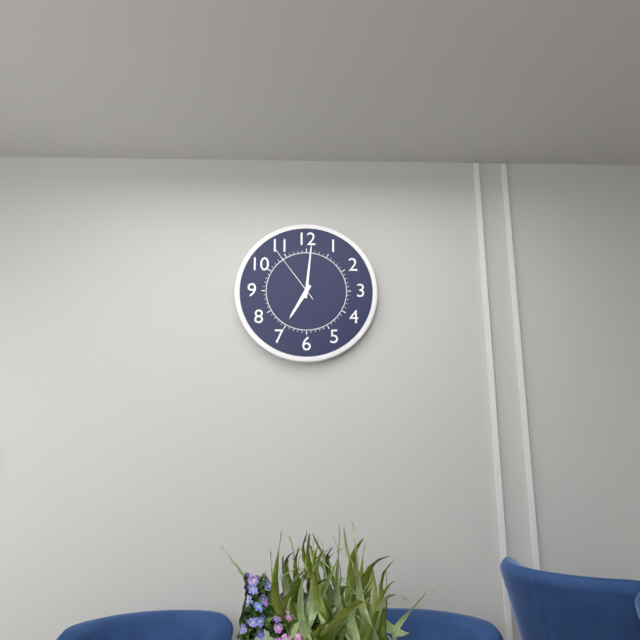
7:01:54
